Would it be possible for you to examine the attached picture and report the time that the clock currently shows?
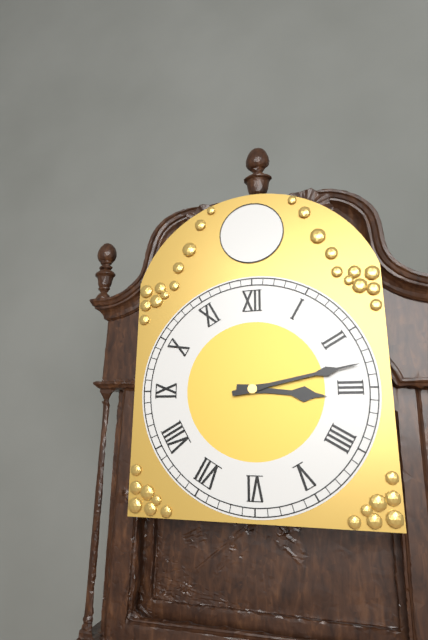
3:13
